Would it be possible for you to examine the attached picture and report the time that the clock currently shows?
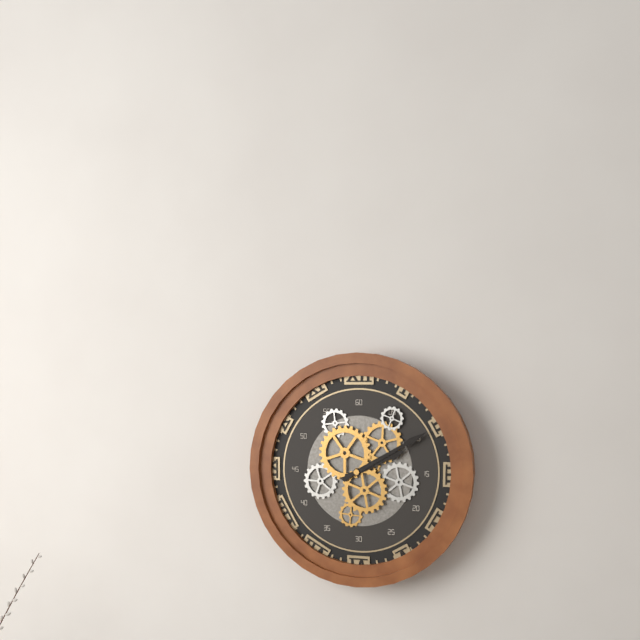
2:10
